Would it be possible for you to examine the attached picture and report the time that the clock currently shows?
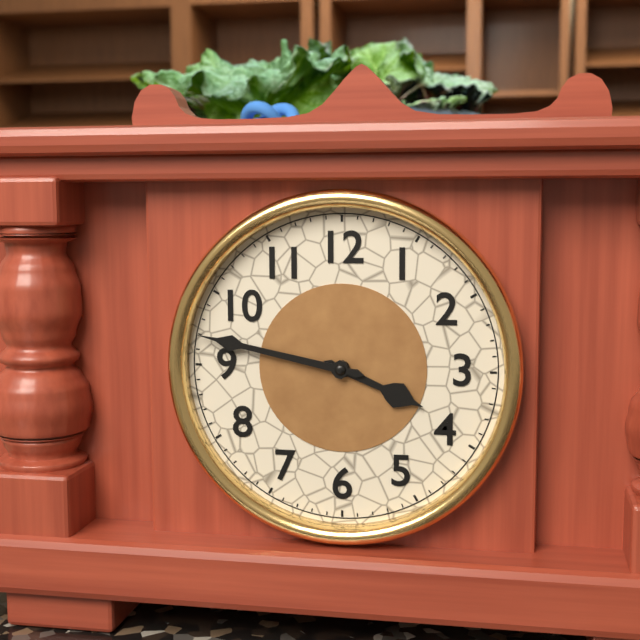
3:47
